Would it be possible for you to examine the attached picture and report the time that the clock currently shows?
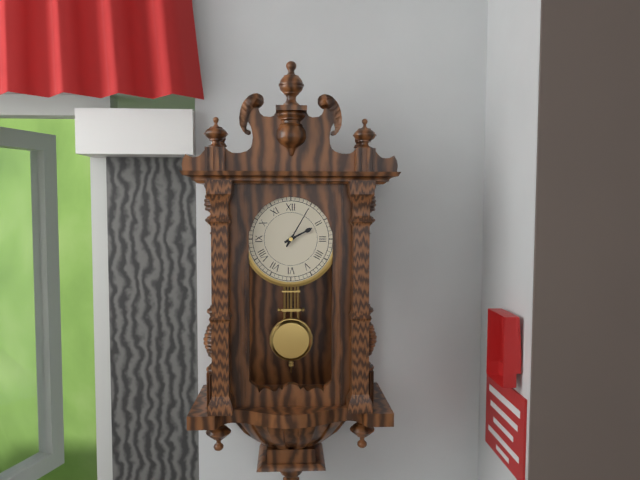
2:05
